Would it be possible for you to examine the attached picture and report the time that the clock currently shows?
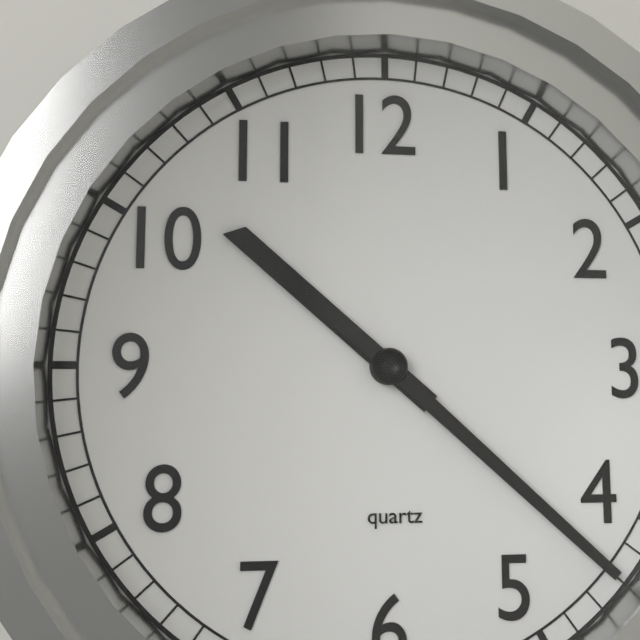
10:22
